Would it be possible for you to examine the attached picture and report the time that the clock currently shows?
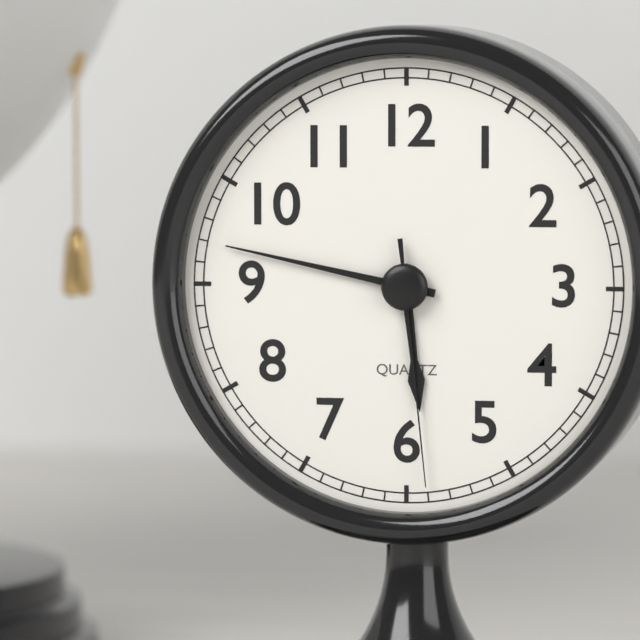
5:47:29
